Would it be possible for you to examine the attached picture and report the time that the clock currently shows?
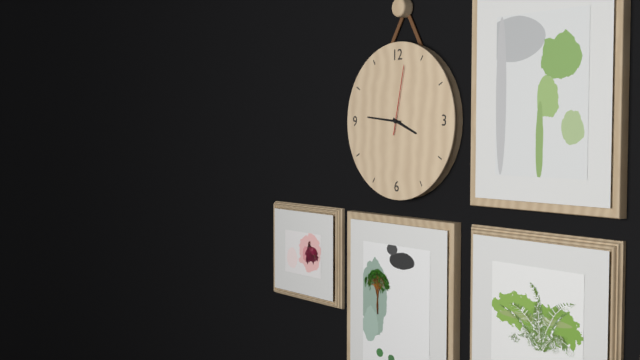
3:46:02
